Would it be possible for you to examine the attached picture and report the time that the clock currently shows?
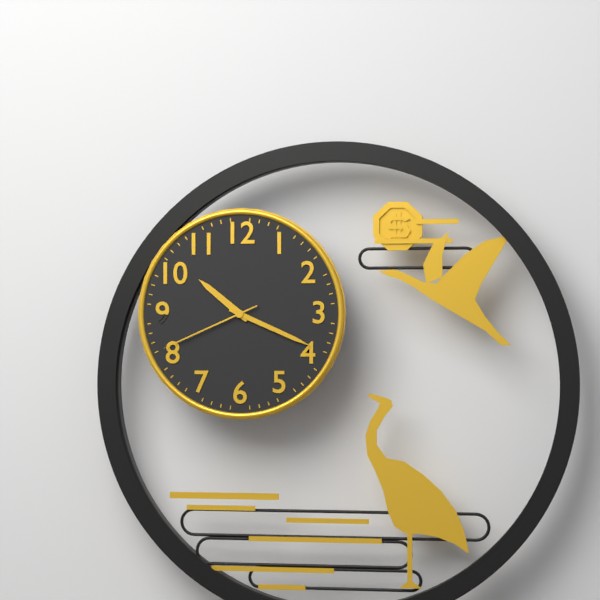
10:19:41
